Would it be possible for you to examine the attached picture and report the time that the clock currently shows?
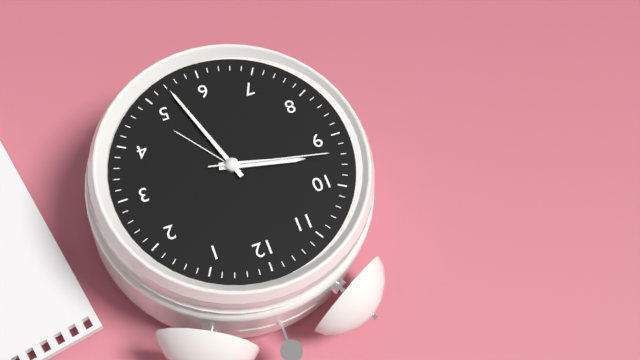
9:27:47
